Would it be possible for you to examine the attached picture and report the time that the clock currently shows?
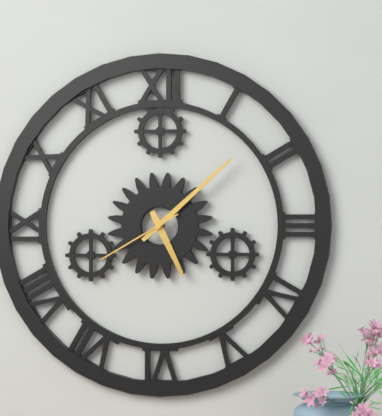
5:08:40
